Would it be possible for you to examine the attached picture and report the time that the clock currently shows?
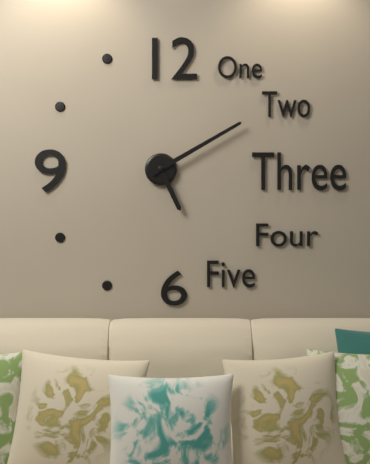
5:10
